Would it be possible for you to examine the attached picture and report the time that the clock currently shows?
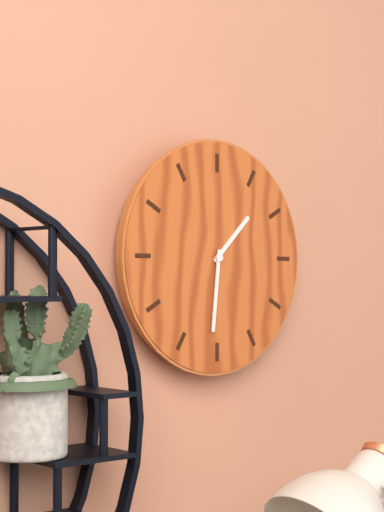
1:31
